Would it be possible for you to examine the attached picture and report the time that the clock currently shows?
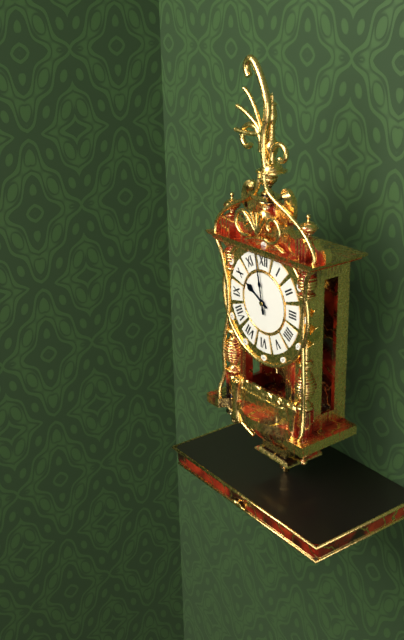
9:58
